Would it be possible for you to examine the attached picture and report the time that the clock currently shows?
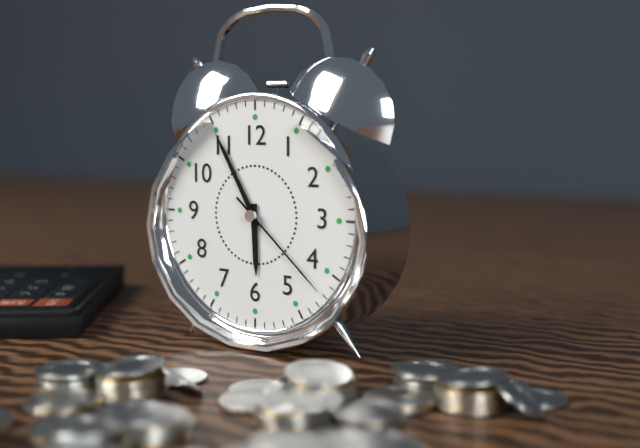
5:55:22
